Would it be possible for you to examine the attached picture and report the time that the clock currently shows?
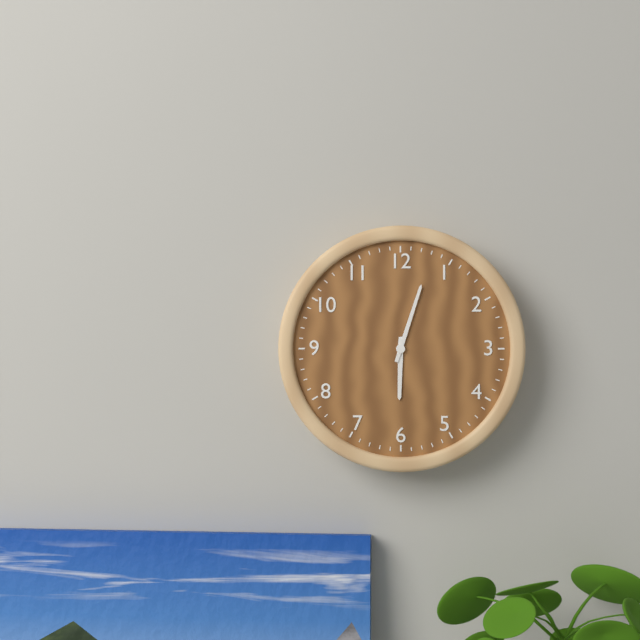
6:03
